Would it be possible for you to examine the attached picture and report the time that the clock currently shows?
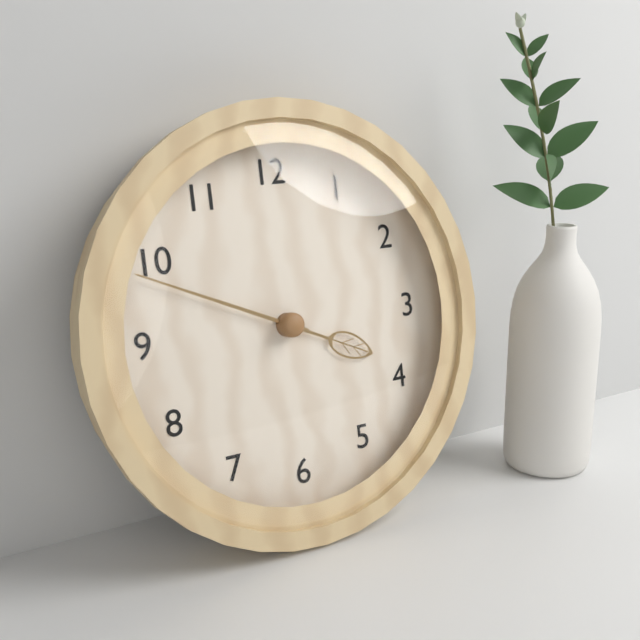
3:49
